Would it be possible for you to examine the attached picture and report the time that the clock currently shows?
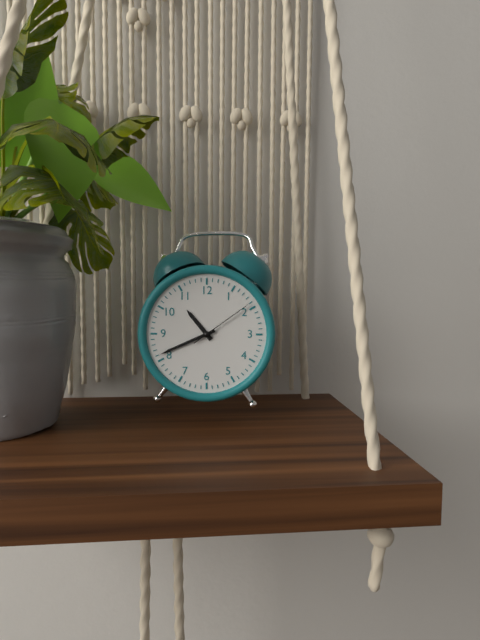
10:41:09
